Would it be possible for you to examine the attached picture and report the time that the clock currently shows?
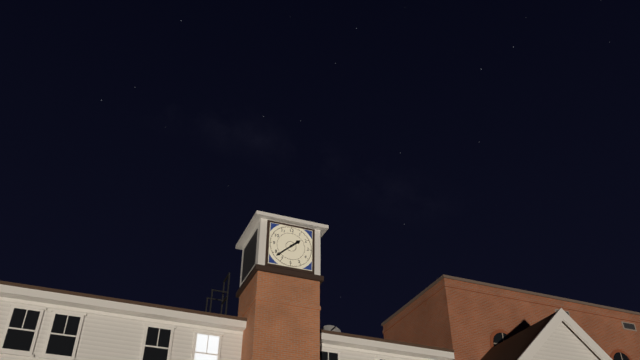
1:38
